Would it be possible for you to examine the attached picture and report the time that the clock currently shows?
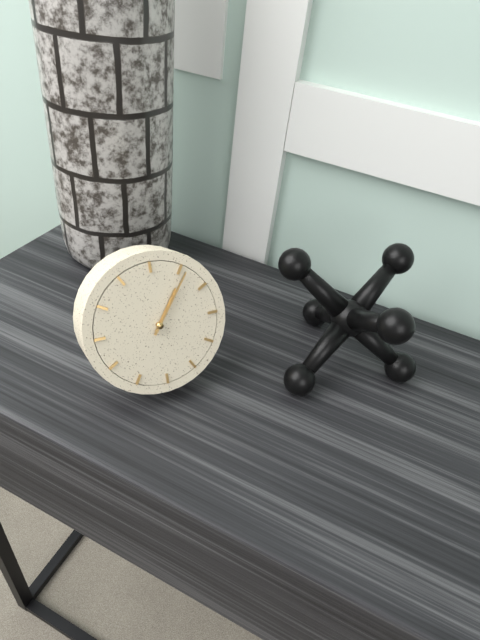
1:06
